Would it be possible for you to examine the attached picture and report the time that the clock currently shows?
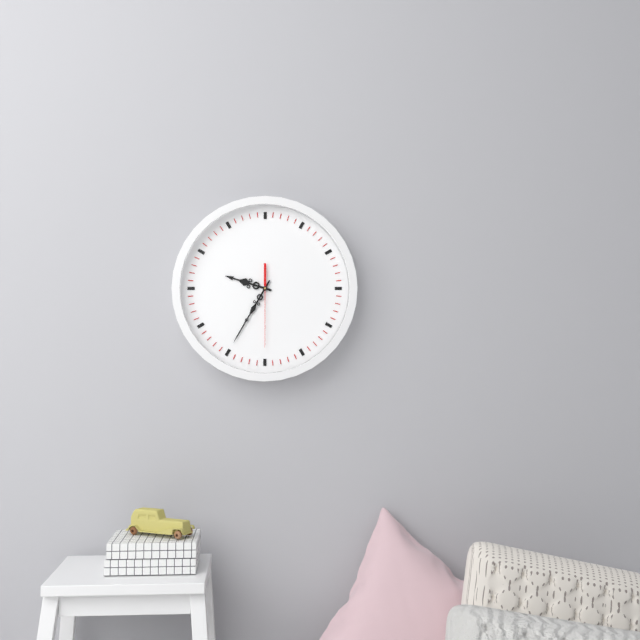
9:35:30
